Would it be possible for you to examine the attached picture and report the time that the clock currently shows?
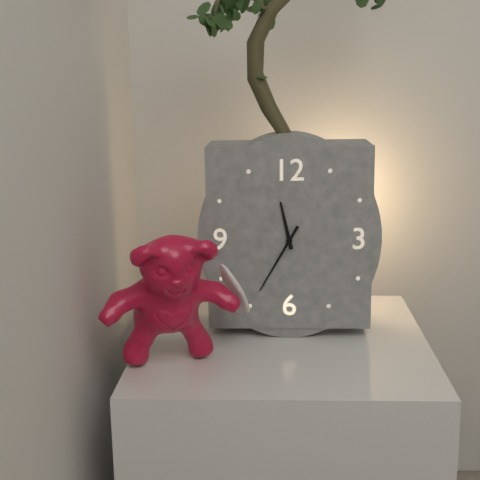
11:35
